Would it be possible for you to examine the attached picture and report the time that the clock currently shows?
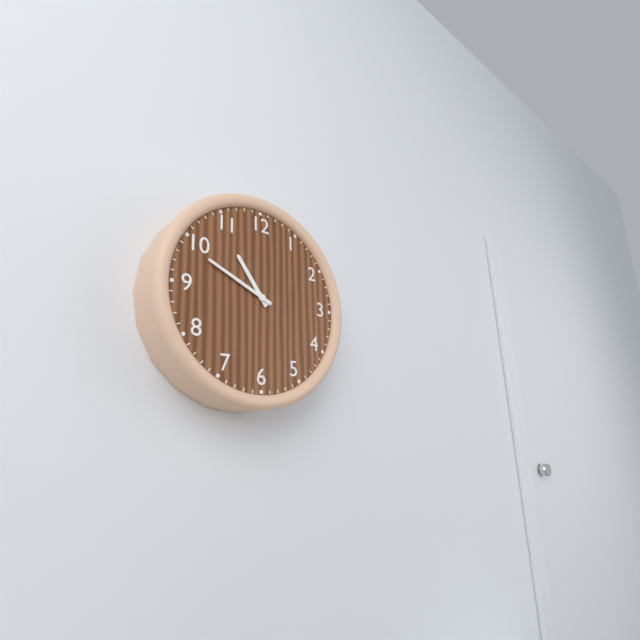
10:49
